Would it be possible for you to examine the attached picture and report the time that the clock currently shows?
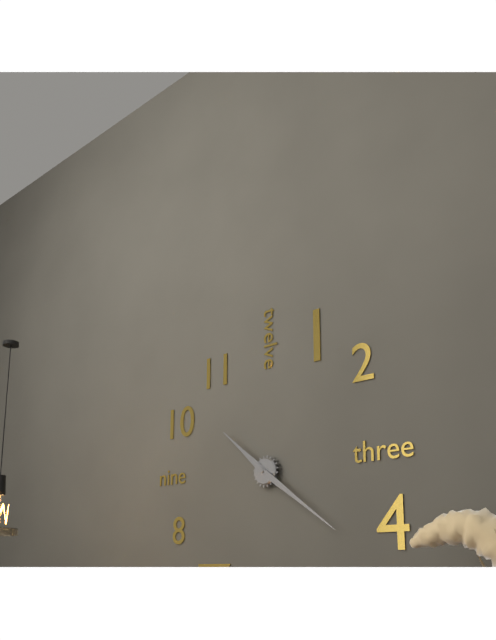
10:21
